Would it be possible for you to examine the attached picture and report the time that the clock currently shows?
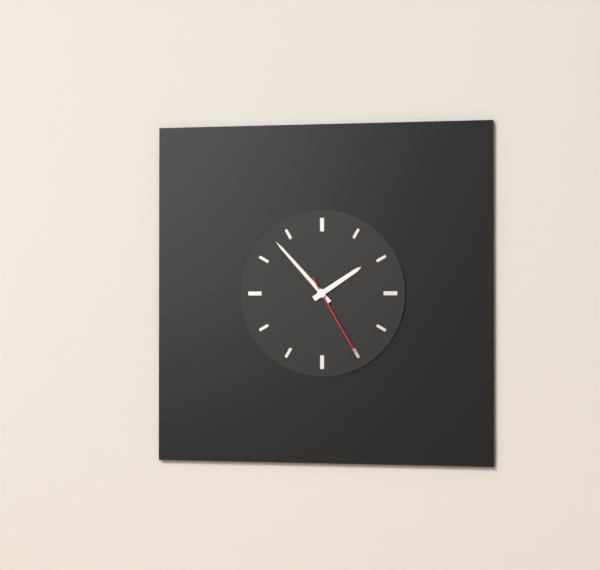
1:53:25
